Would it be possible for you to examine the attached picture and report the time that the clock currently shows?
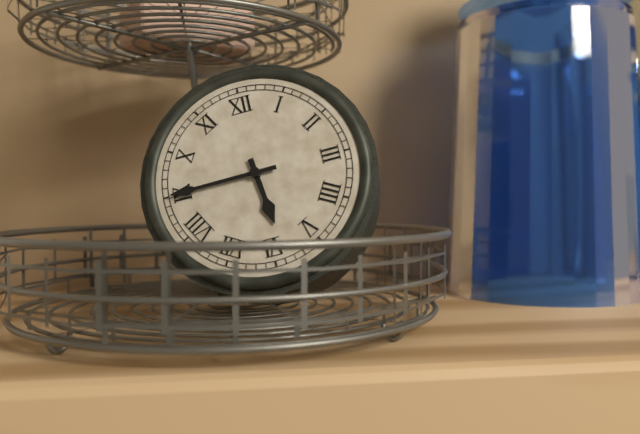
5:45
